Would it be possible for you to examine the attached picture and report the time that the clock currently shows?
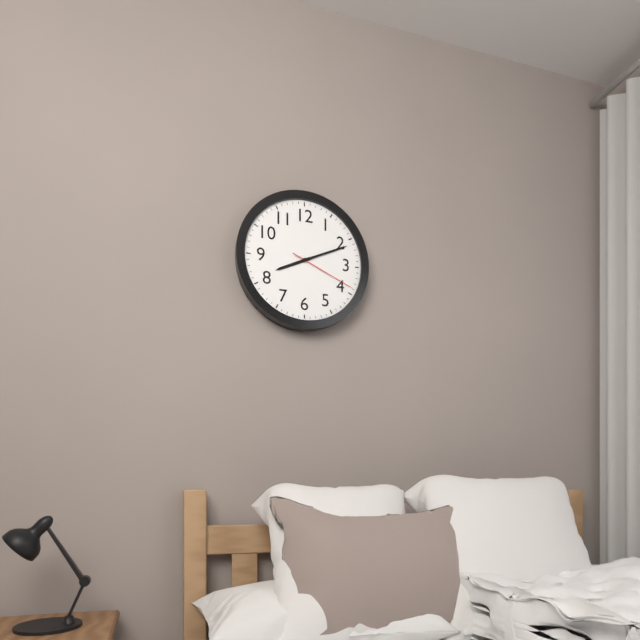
8:11:19
